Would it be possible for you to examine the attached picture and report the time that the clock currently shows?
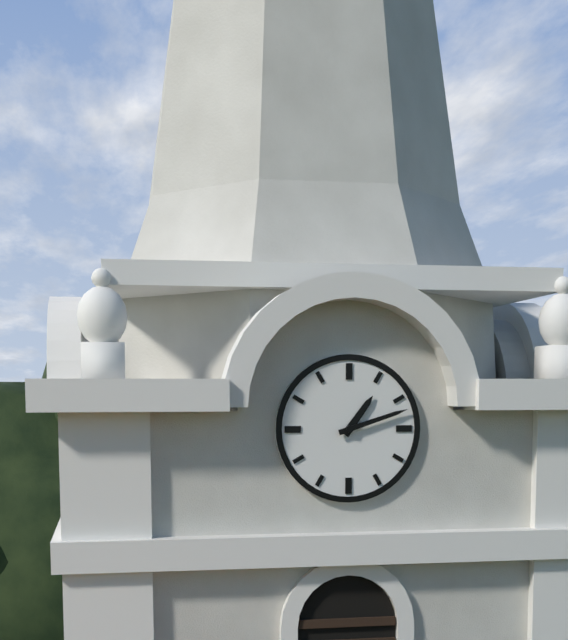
1:12
